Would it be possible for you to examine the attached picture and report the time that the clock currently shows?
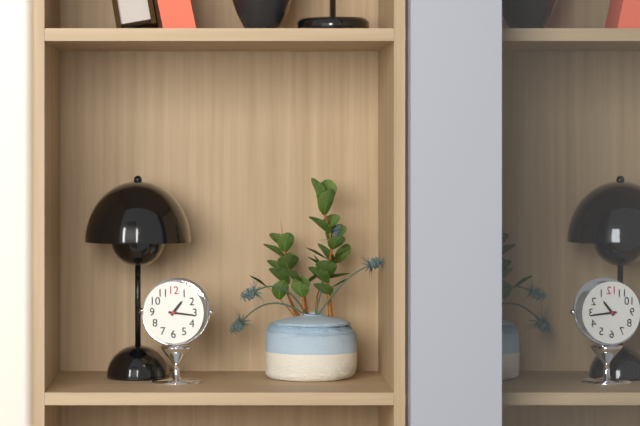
1:16
